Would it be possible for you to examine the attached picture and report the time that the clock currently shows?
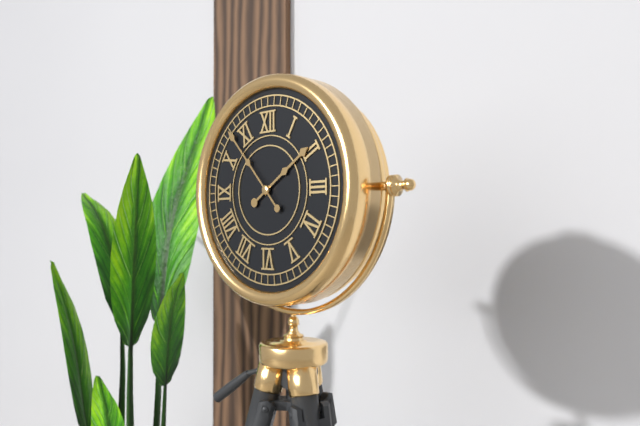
1:53
